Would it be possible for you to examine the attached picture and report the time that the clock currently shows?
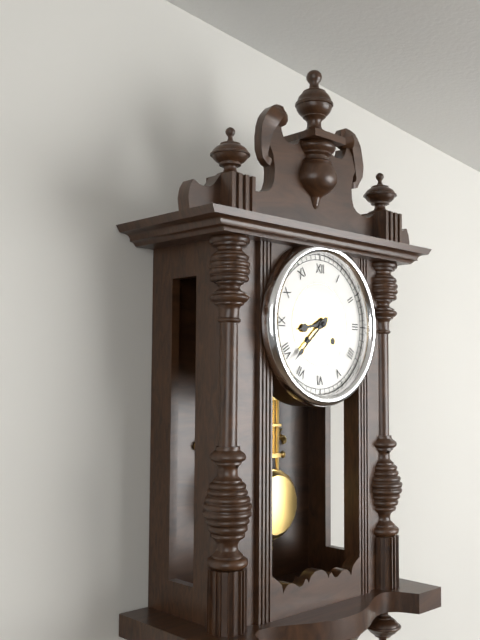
8:38
